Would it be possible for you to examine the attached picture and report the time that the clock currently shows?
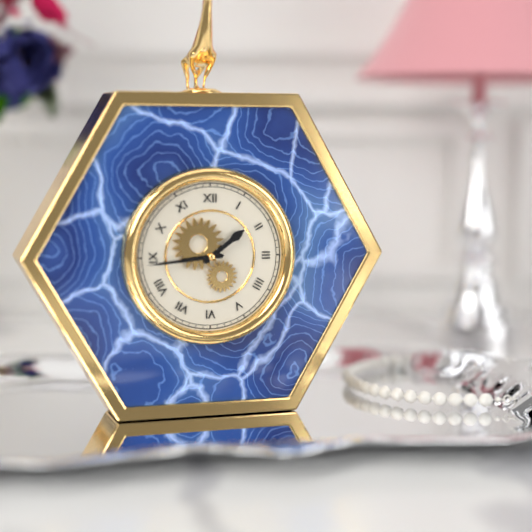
1:44
